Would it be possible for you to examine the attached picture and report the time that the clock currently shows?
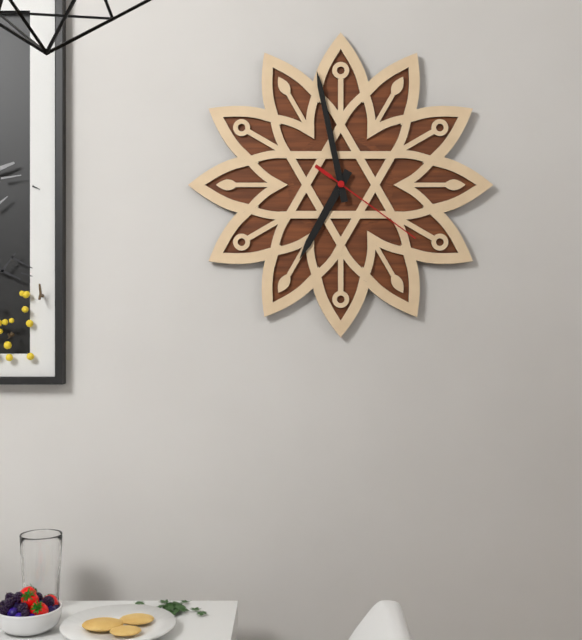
6:58:21
